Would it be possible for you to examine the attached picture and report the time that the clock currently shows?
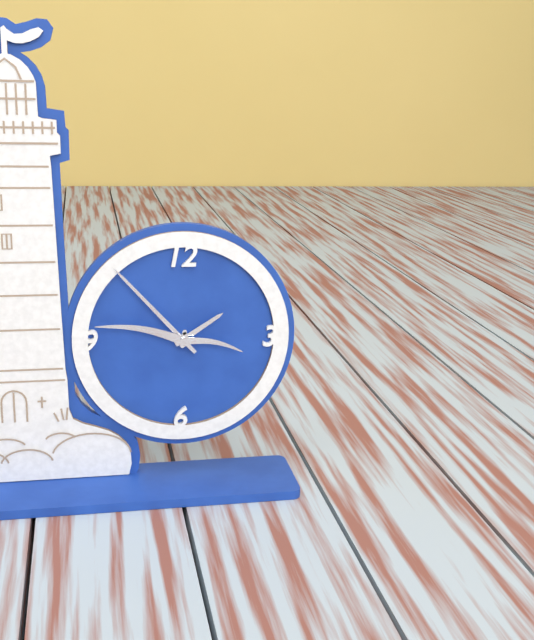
1:53:47
